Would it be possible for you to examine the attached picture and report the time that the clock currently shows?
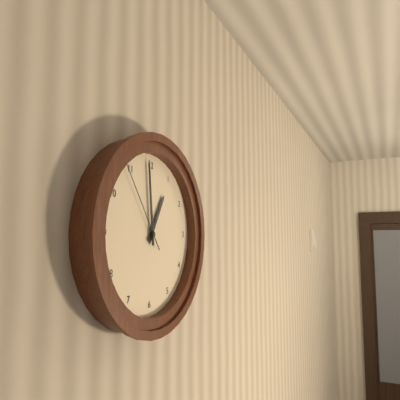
12:59:54
